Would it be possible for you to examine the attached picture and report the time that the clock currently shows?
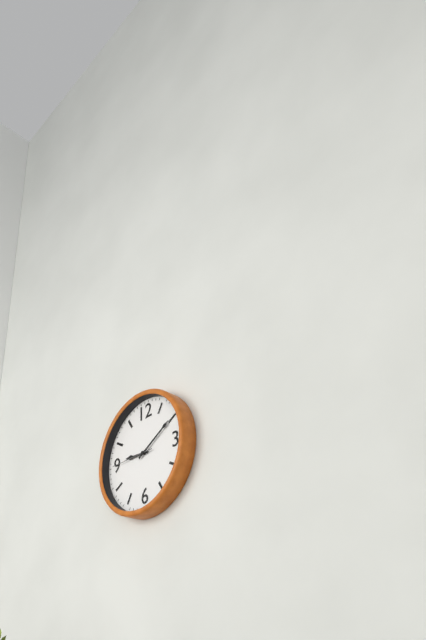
9:10
